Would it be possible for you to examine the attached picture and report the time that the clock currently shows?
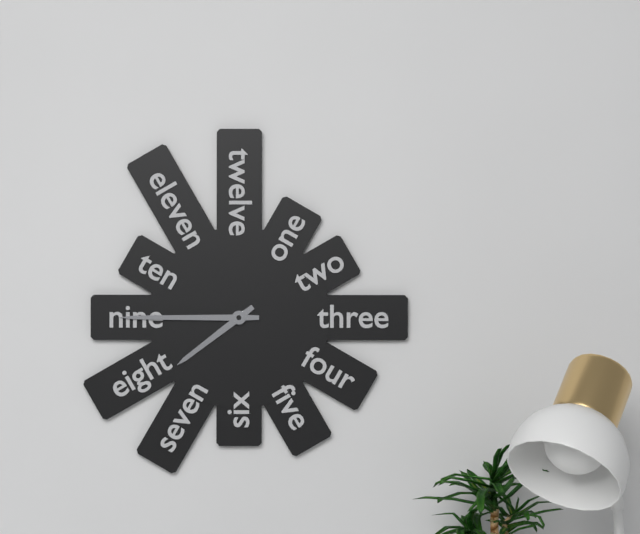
7:45
